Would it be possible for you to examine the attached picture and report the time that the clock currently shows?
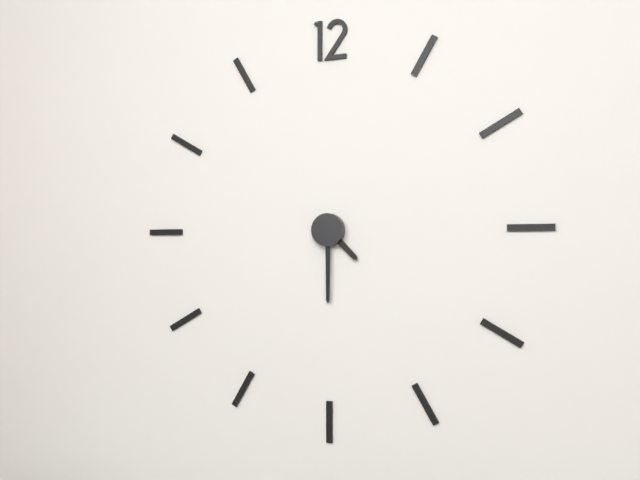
4:30
